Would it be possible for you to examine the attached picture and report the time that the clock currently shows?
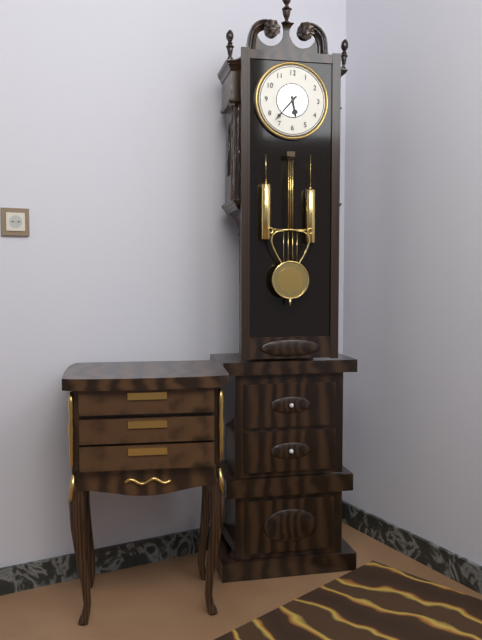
5:37
